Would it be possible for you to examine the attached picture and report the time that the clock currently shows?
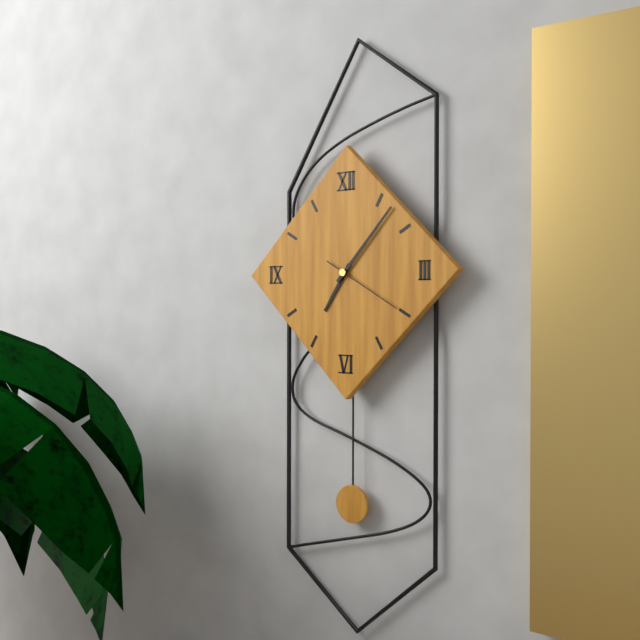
7:07:20
